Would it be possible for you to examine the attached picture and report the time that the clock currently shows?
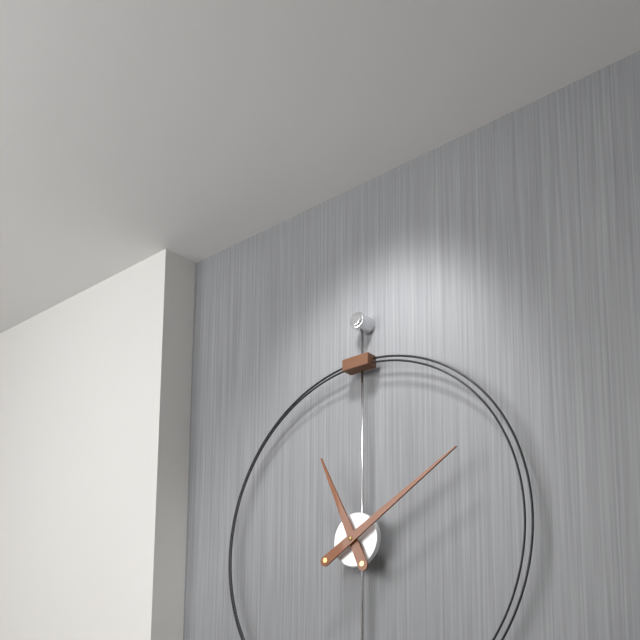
11:10
